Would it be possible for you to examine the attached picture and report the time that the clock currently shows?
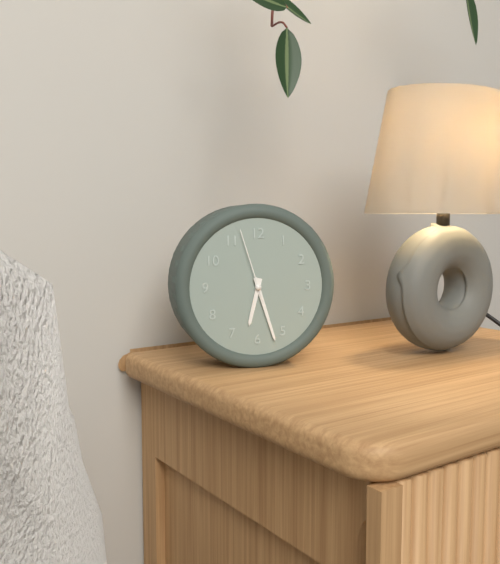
6:27:57
